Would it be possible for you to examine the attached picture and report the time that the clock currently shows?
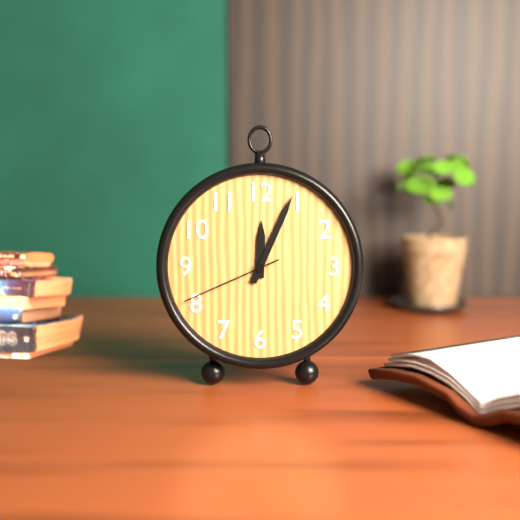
12:04:41
